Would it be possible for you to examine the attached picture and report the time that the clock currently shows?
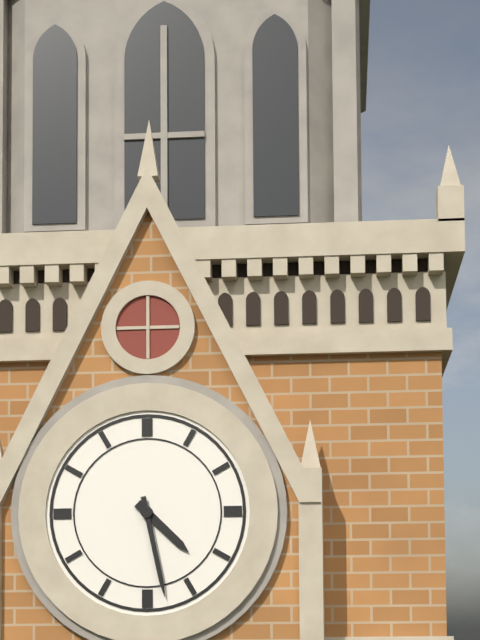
4:28
